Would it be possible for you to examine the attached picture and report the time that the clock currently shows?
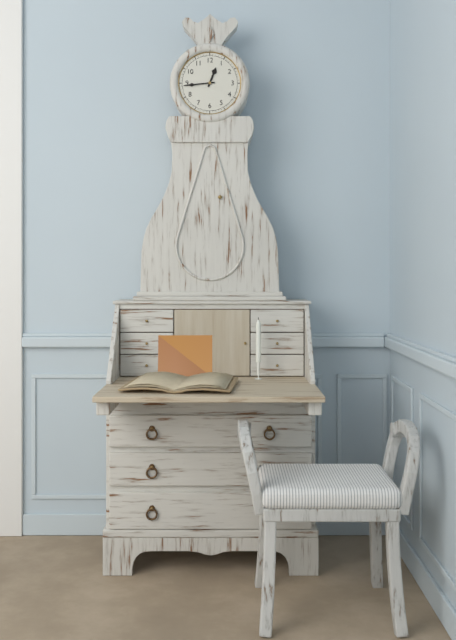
12:44
